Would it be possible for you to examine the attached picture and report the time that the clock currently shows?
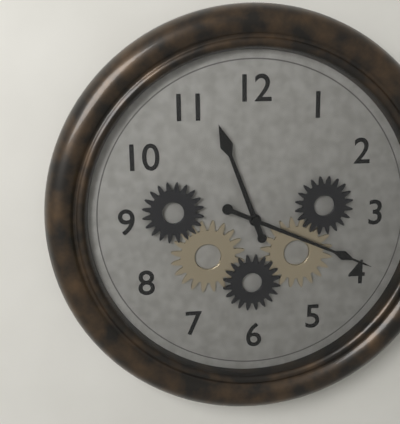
11:19
